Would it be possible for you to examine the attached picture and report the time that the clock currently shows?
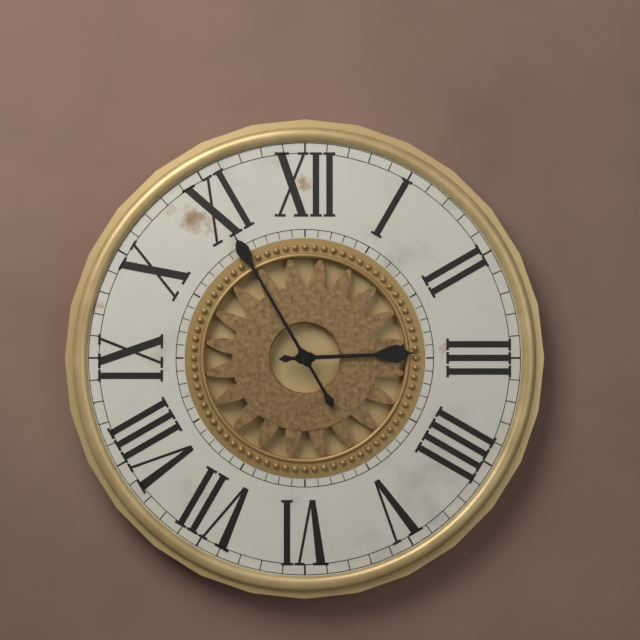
2:55
